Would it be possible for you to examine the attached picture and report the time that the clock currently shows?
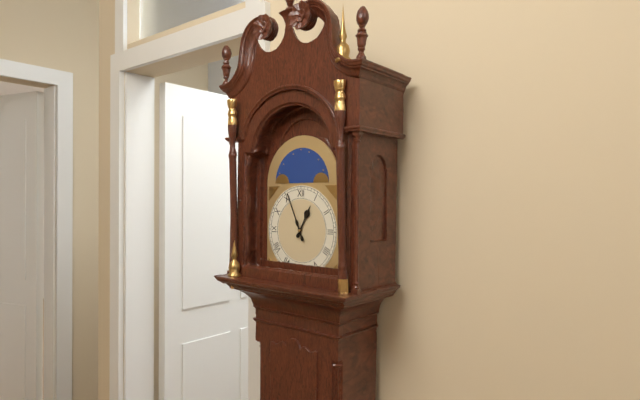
12:56
